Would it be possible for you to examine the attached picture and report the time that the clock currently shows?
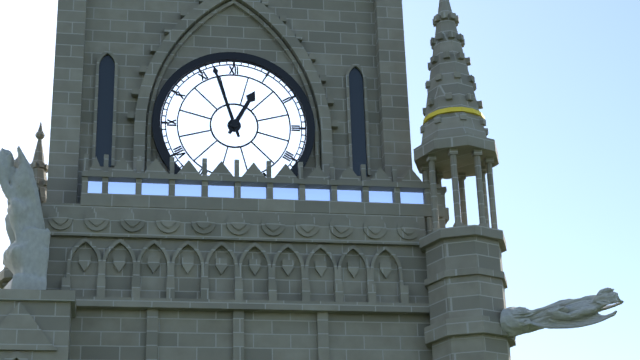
12:57
